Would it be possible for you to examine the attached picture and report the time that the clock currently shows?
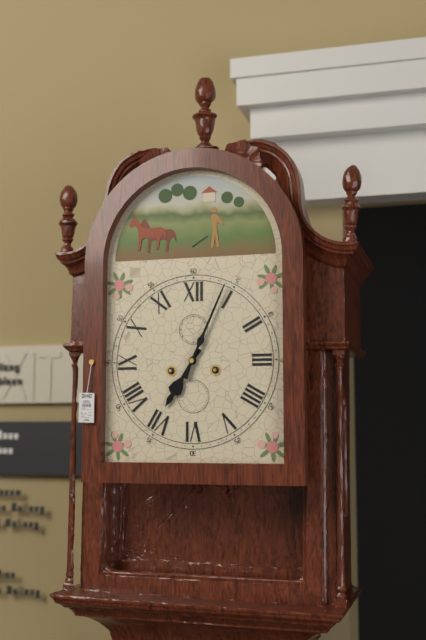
7:04
